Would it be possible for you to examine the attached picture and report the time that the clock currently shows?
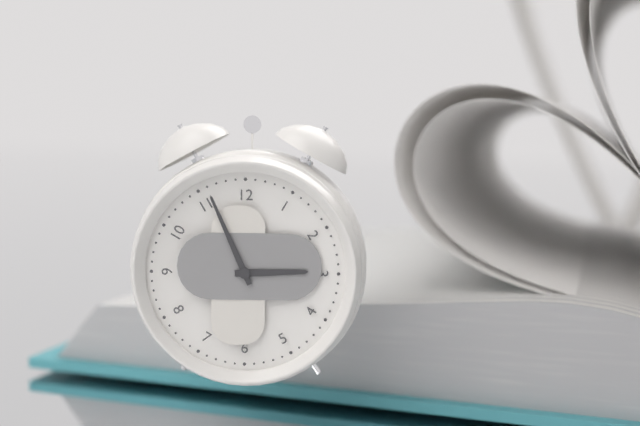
2:56
